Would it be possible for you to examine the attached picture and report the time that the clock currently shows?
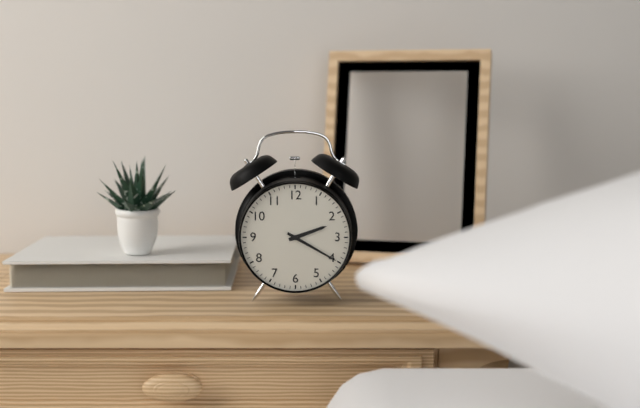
2:20
